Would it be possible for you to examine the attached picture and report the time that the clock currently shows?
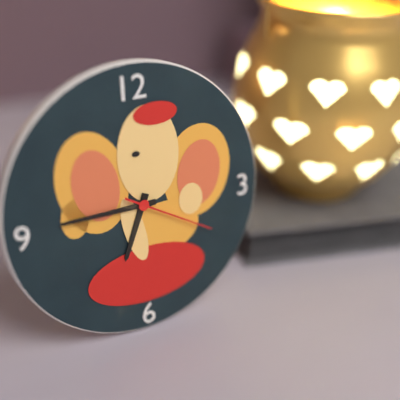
6:45:20
